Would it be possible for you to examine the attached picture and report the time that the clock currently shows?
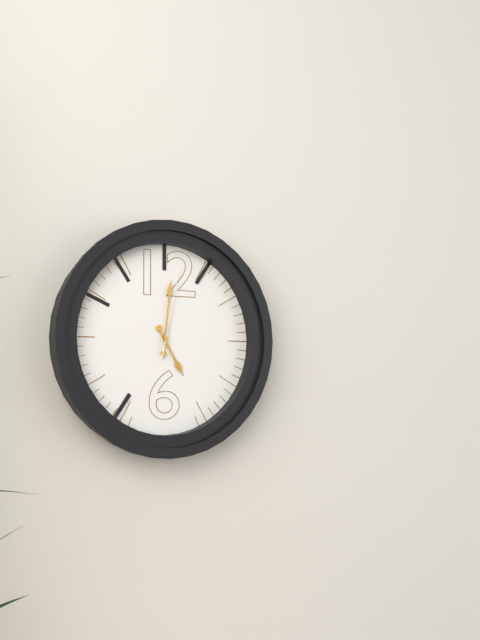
5:01:02
